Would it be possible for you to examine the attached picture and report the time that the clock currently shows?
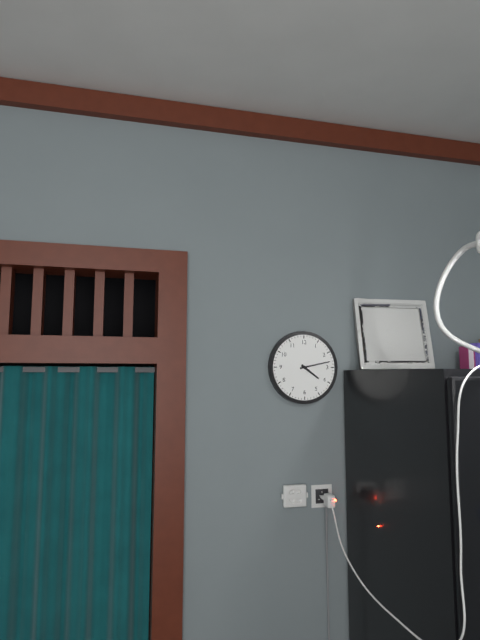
4:13
